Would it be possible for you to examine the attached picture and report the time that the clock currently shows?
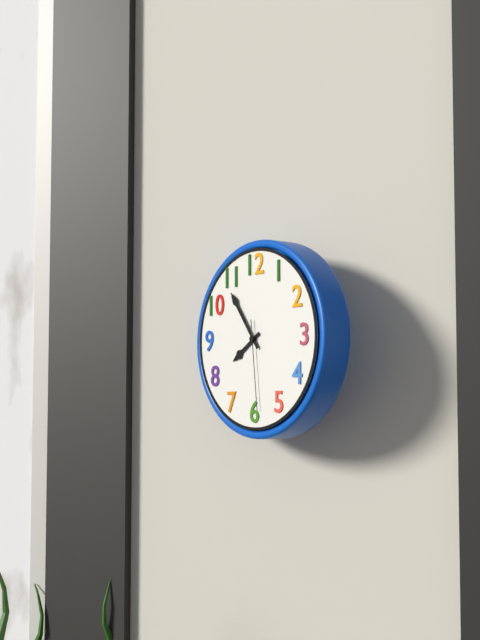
7:54:29
